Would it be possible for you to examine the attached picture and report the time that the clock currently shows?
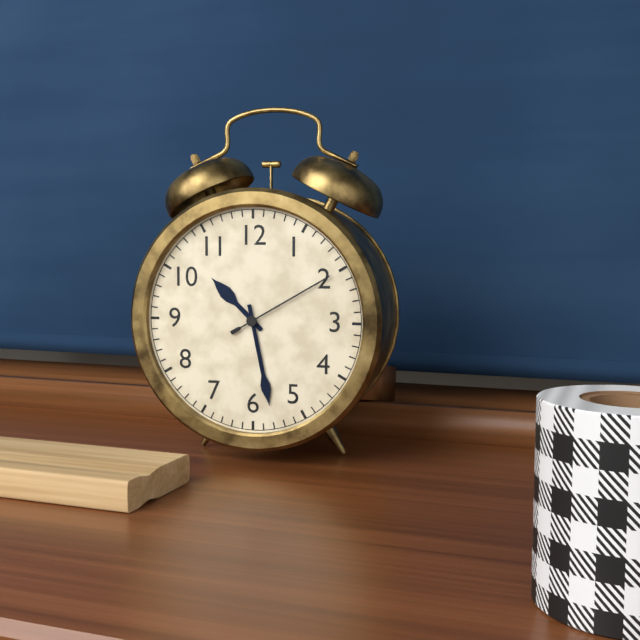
10:28:10
